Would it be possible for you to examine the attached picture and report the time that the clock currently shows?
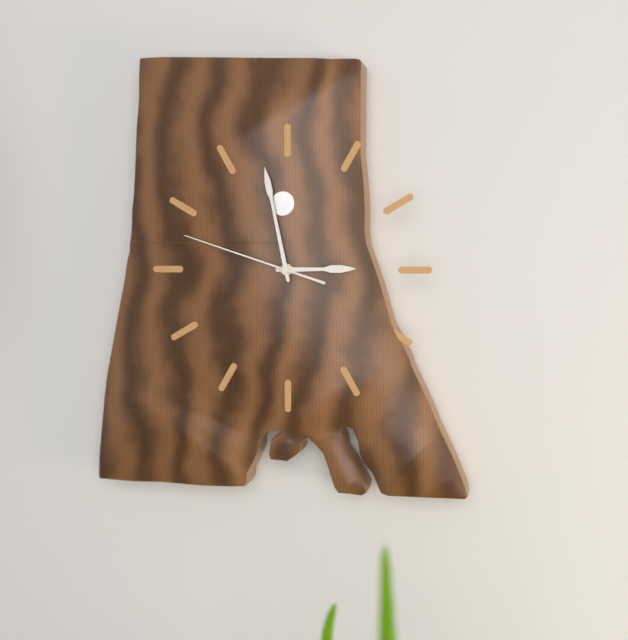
2:58:48
